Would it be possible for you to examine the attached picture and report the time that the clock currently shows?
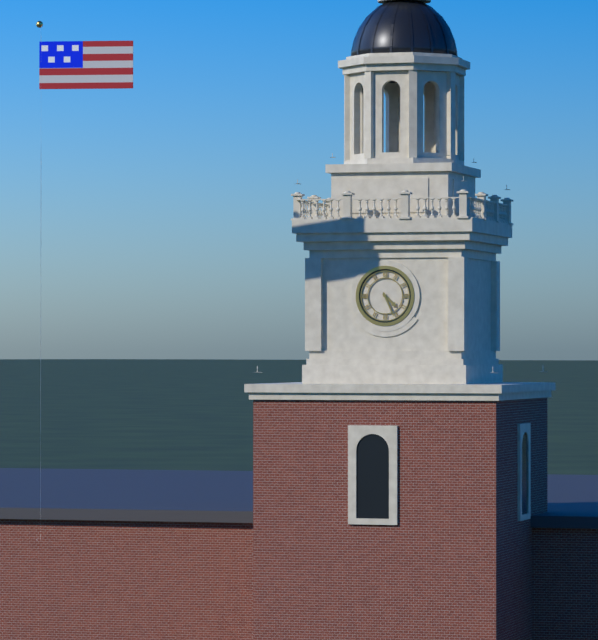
4:26
